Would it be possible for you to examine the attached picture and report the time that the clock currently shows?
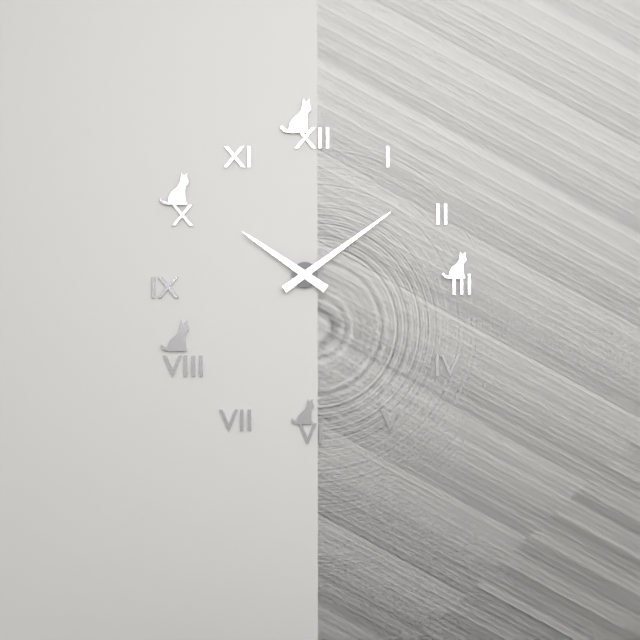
10:09
